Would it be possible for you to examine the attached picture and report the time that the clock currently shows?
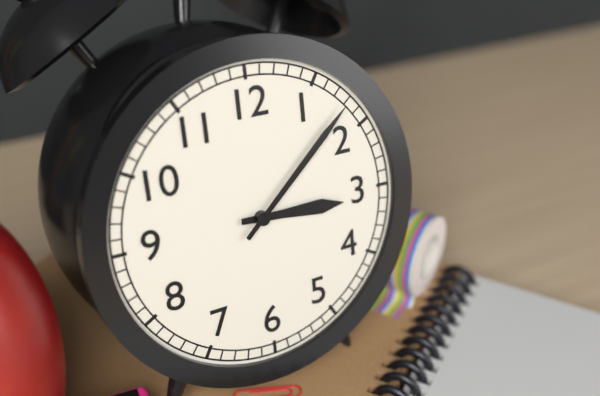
3:08
